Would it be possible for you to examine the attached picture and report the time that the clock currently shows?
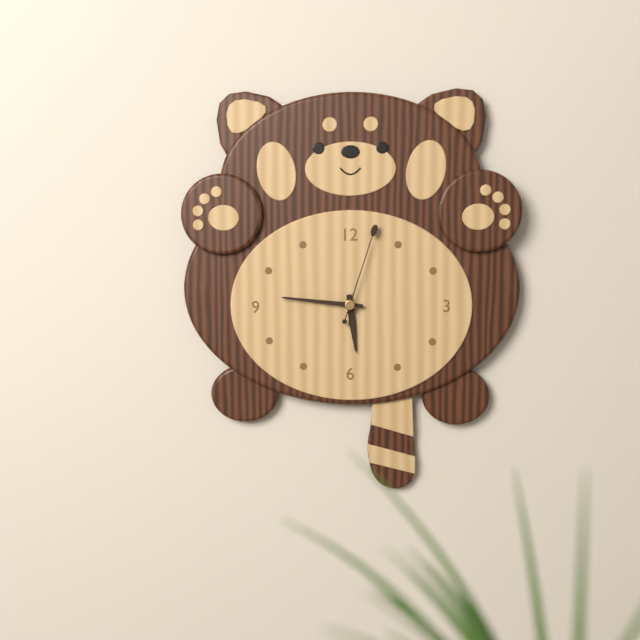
5:46:03
